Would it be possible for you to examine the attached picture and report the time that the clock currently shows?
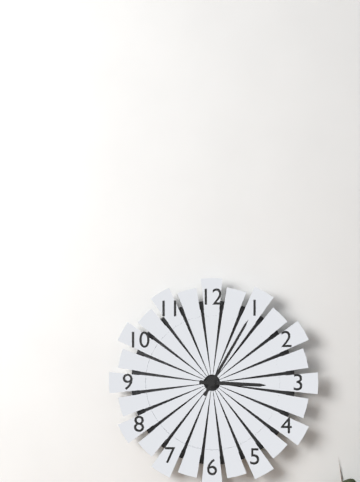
3:05
